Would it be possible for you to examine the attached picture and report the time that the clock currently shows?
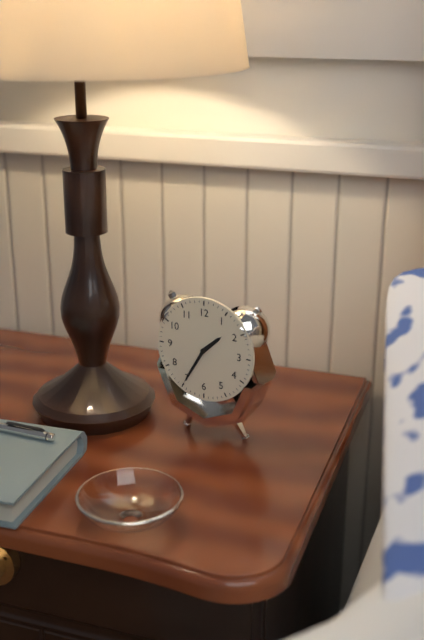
1:35
